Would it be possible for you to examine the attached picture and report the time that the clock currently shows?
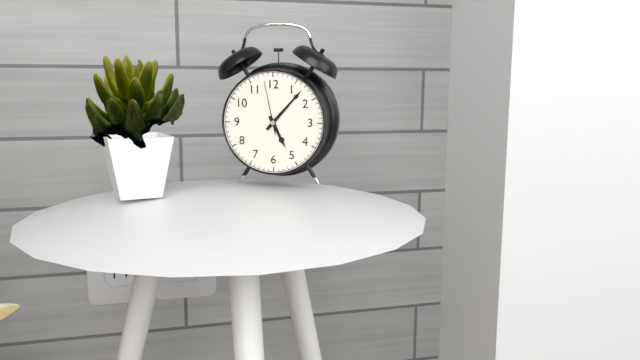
5:07:58
